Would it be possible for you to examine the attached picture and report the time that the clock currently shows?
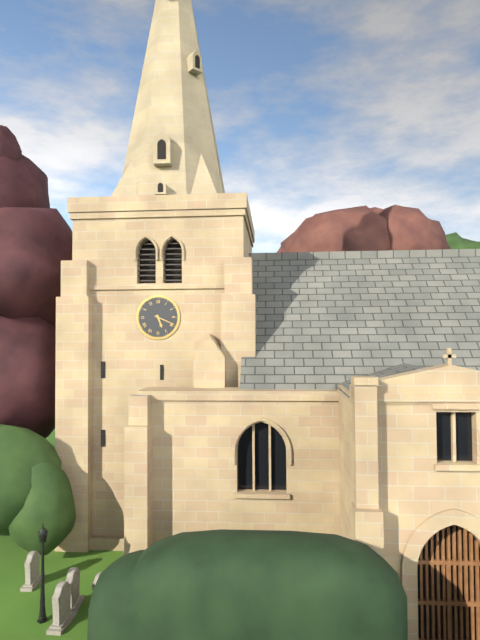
5:19
